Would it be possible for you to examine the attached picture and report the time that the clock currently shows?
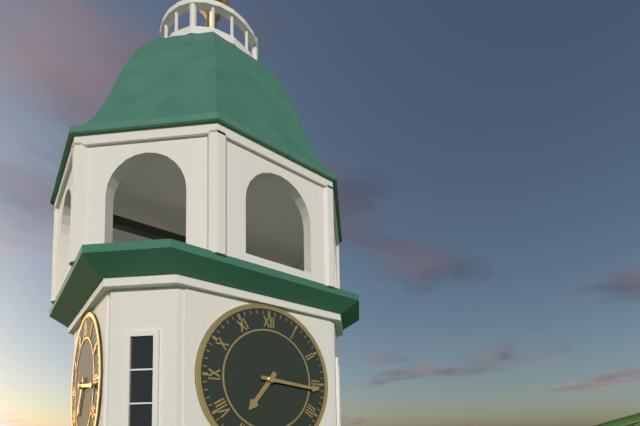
7:16
